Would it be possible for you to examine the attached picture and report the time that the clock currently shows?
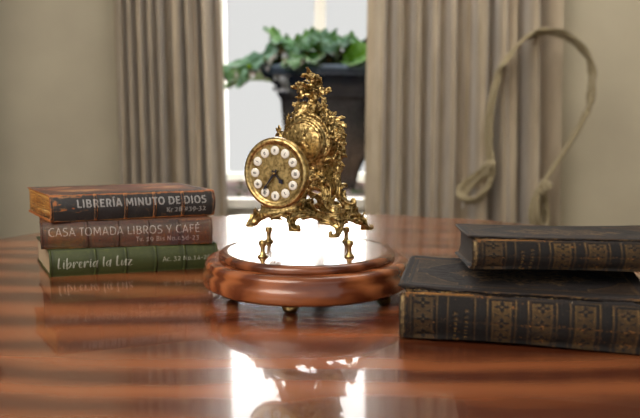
4:36
